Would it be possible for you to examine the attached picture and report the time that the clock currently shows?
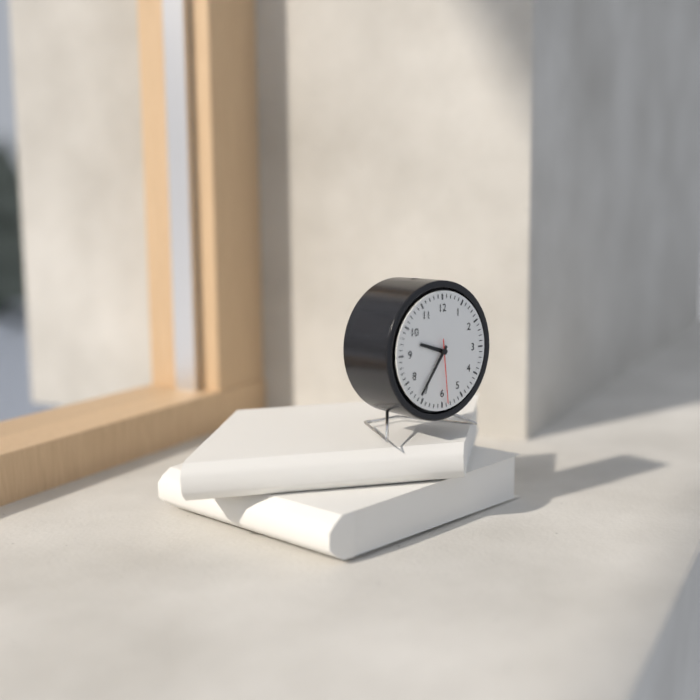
9:36:29
